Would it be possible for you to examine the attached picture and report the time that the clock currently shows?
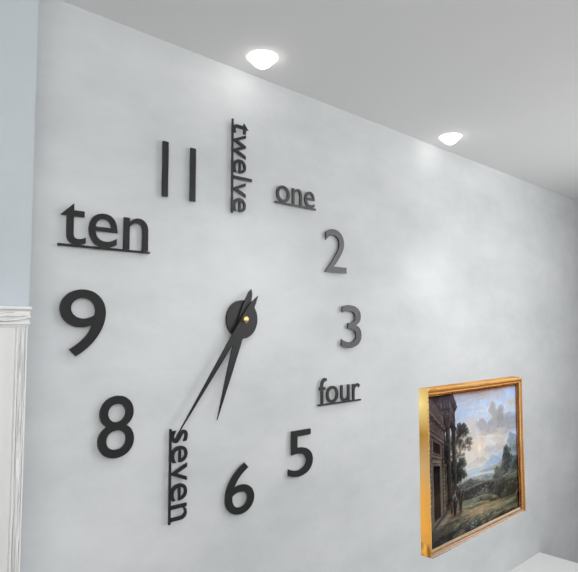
6:36
